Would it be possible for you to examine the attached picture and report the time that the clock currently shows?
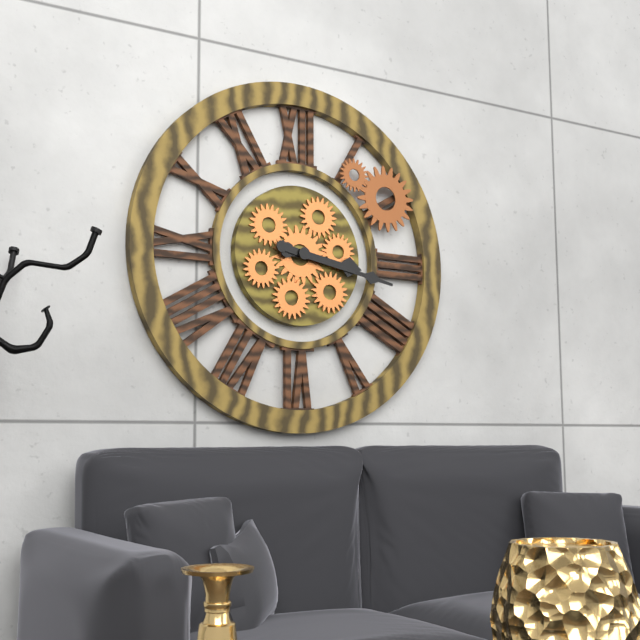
3:17
